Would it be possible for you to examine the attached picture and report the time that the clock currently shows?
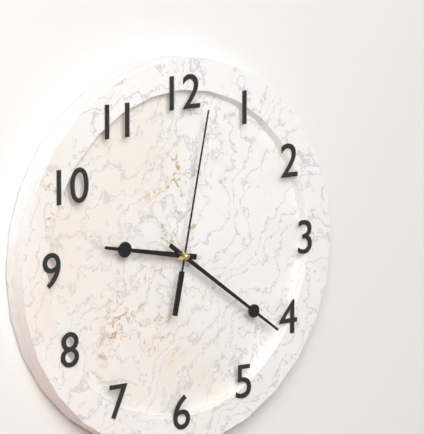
9:21:02
